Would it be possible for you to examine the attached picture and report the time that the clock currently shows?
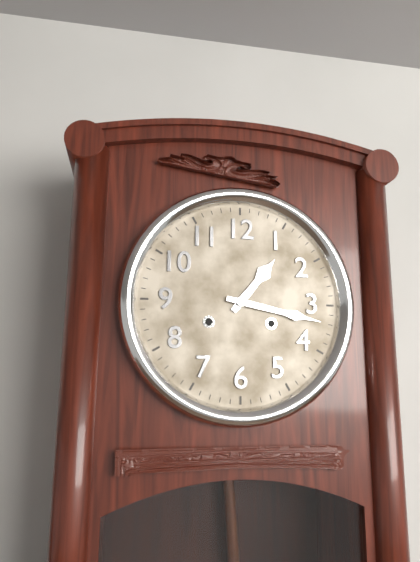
1:17
